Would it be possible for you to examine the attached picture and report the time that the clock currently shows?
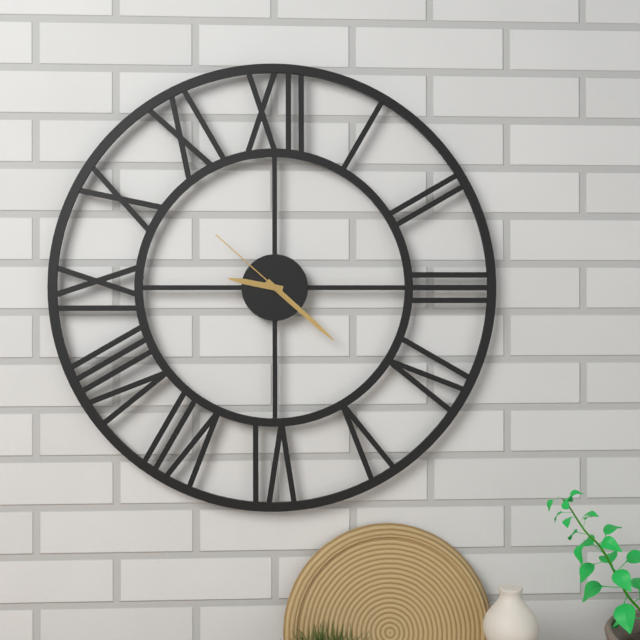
9:22:52
